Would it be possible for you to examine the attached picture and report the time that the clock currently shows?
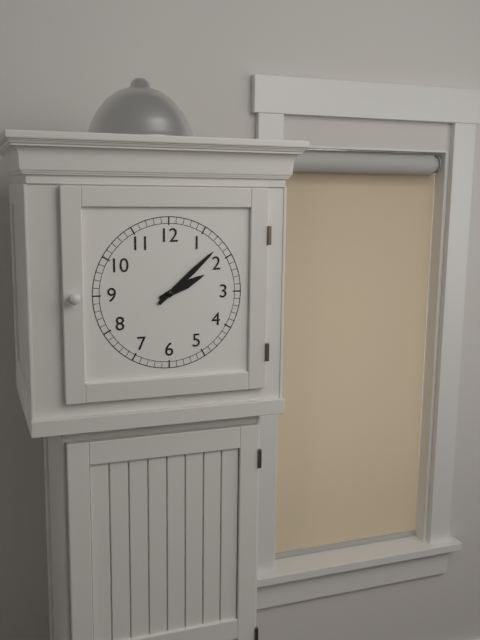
2:08
